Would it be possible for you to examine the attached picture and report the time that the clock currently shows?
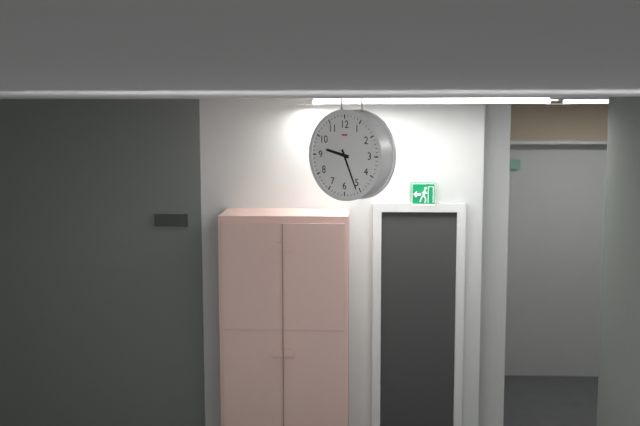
9:26
